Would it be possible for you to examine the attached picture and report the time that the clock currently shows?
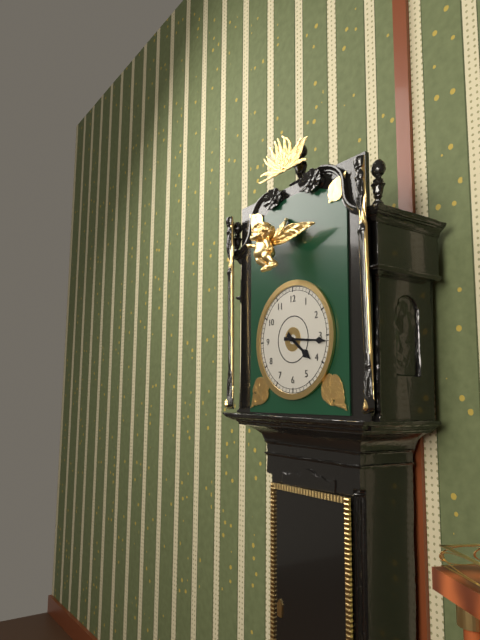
4:16
